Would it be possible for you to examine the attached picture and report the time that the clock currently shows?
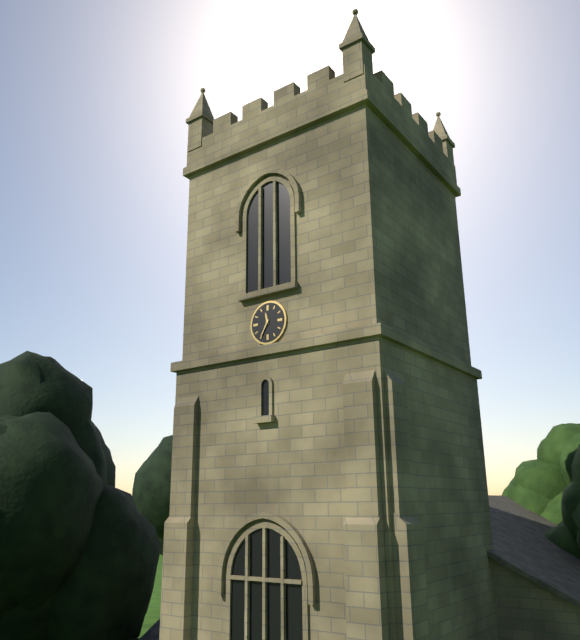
11:35
